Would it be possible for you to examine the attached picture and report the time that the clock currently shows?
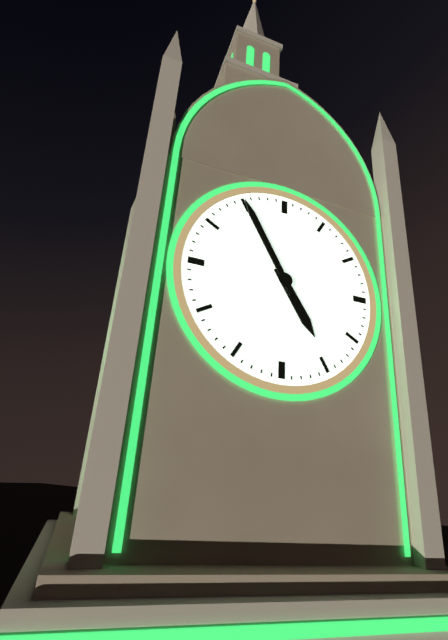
4:55
